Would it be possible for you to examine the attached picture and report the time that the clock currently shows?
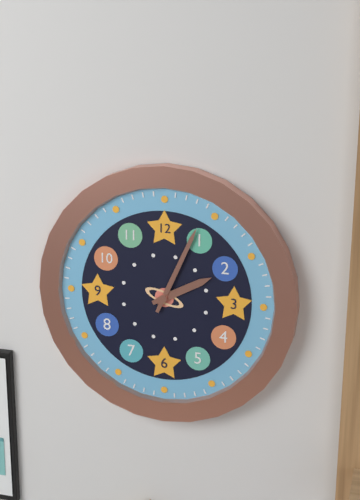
2:04
